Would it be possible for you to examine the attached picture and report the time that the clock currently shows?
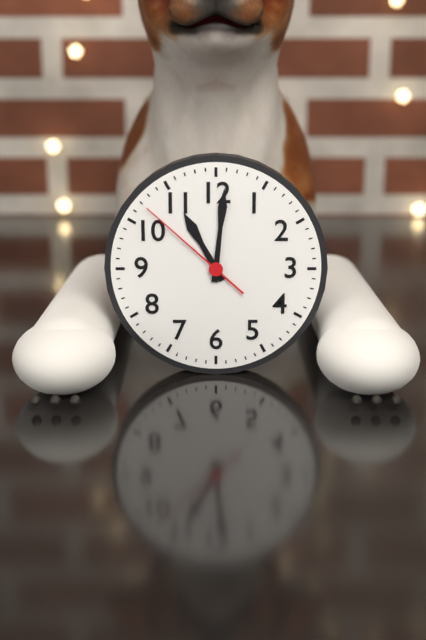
11:01:52
